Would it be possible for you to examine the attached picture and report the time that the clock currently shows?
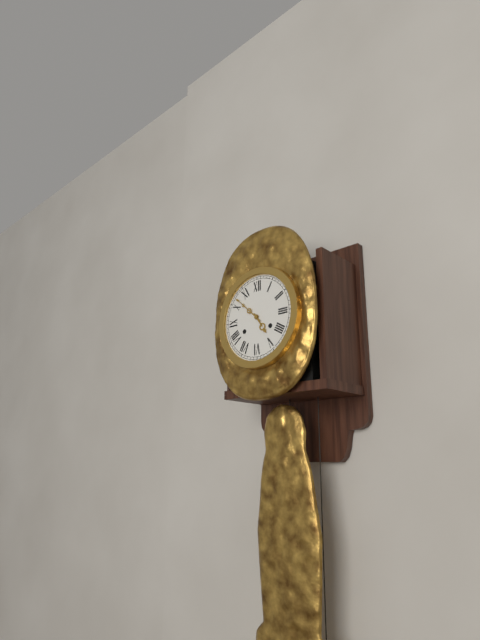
4:52
